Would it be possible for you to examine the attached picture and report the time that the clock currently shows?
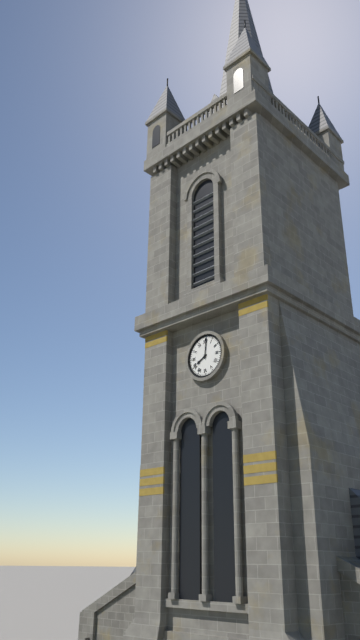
8:01
